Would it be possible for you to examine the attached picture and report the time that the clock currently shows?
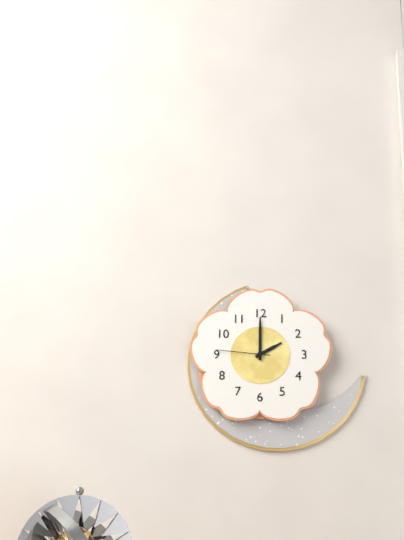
2:00:46
